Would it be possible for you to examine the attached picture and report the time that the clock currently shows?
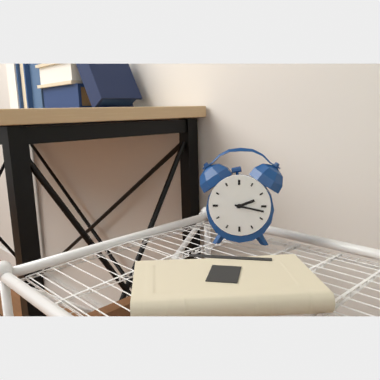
2:17
